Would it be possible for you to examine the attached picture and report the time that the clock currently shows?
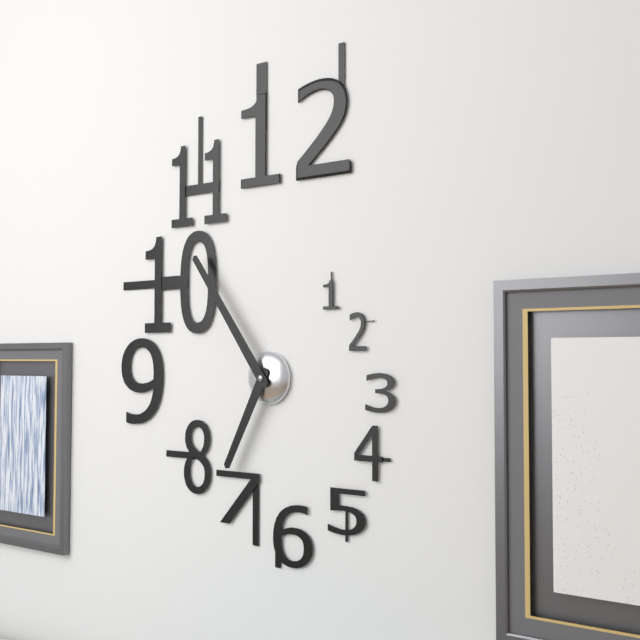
6:54
